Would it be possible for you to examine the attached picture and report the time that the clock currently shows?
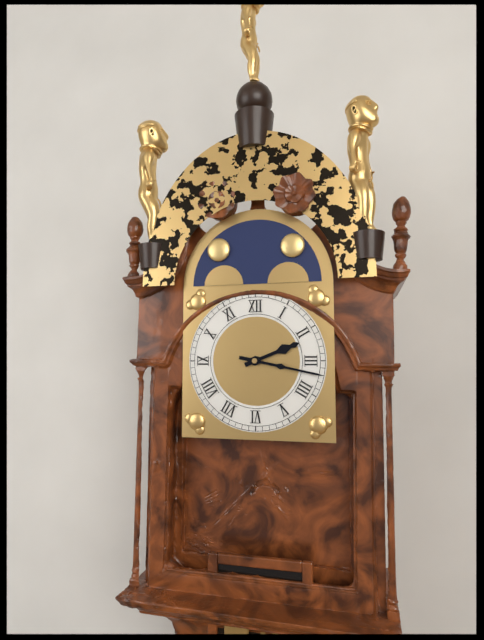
2:17
